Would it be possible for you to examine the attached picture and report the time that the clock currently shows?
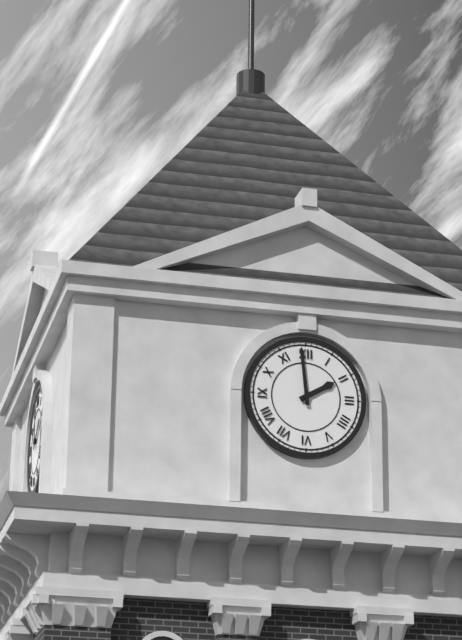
1:59
